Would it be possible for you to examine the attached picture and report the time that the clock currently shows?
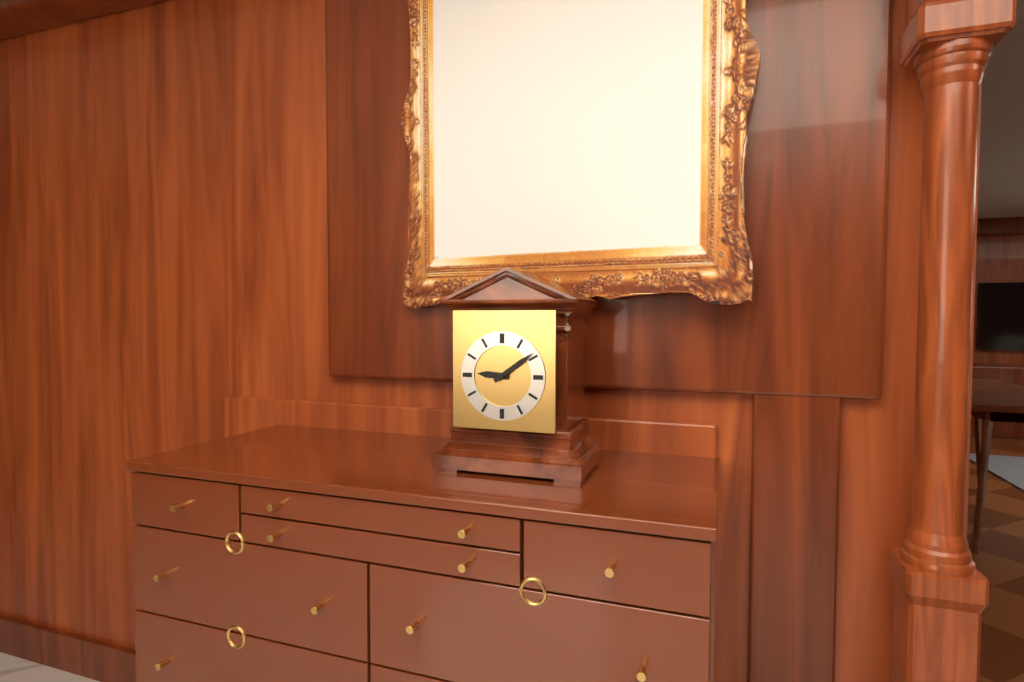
9:09
